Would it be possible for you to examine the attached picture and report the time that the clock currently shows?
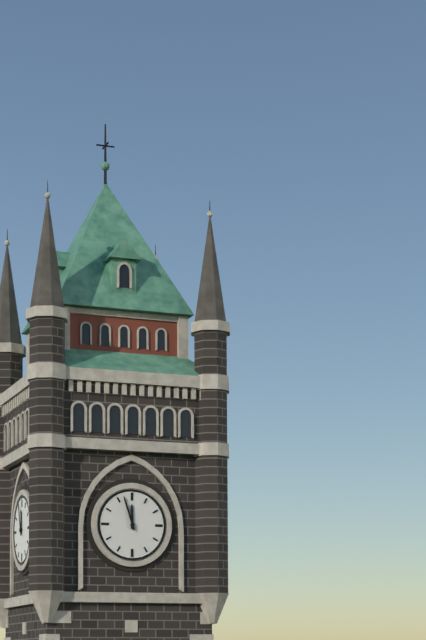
11:57
